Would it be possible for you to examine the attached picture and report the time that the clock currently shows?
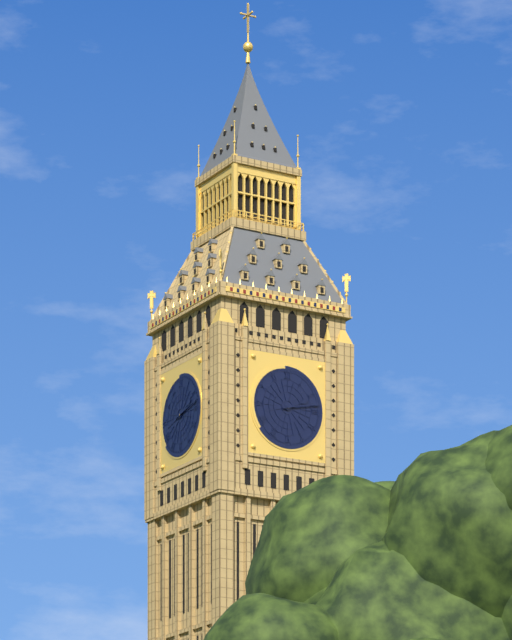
2:13
